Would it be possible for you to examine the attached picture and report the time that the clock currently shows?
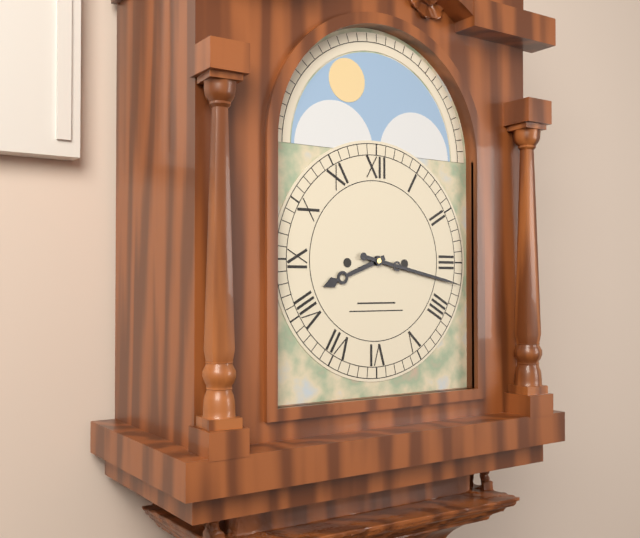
8:17
